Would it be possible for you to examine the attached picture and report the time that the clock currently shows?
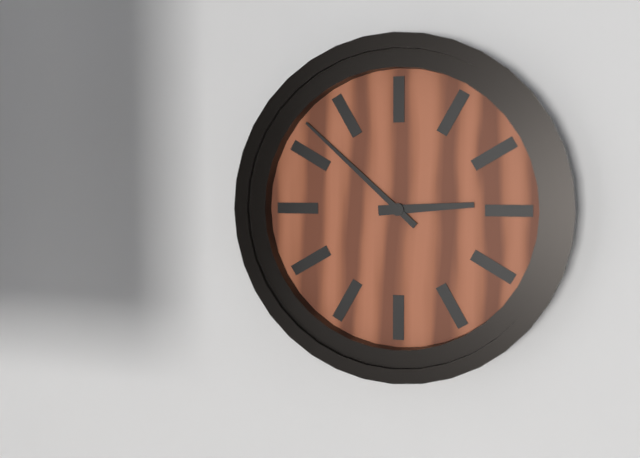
2:52
